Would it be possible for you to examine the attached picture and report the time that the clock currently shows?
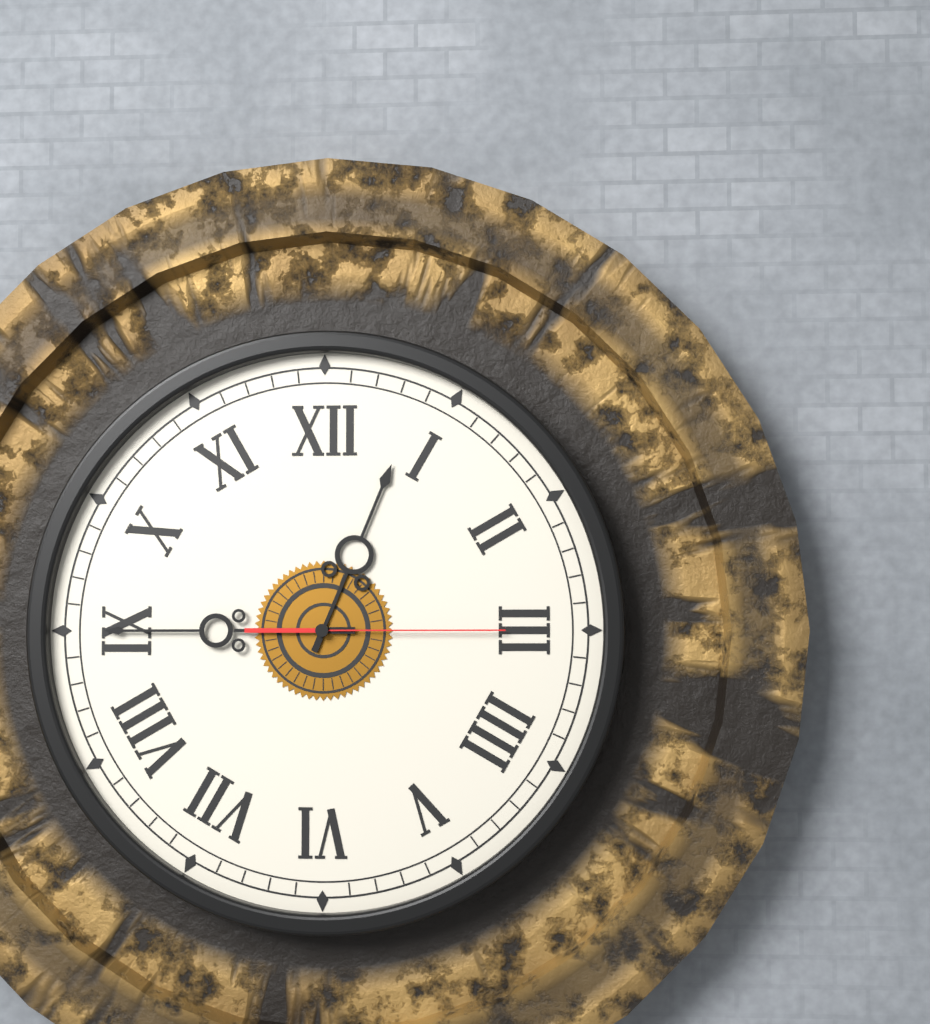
12:45:15
